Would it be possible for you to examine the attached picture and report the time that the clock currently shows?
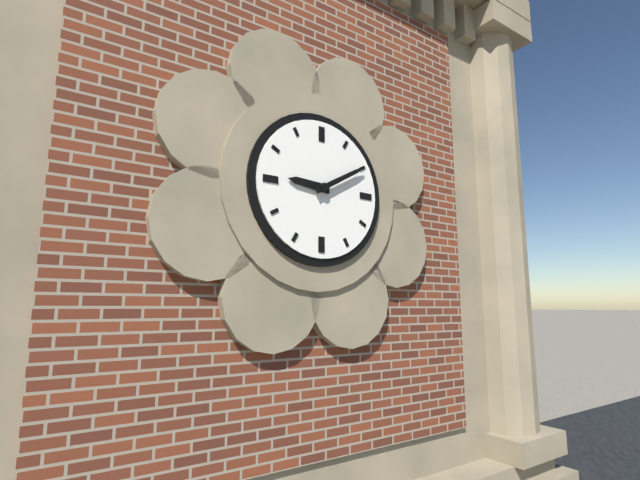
9:10
